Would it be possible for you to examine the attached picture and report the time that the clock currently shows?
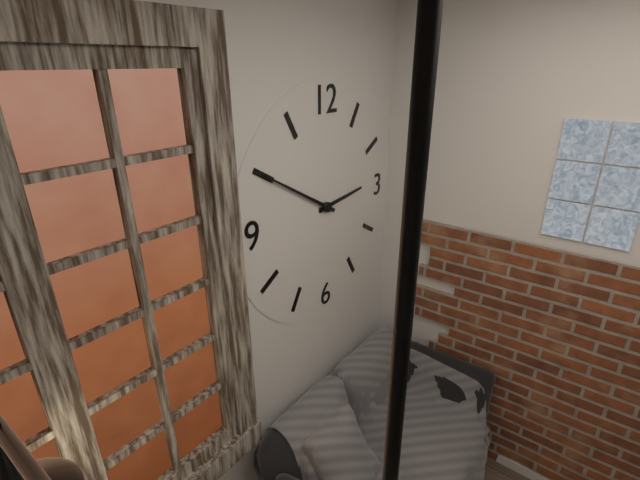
2:50
